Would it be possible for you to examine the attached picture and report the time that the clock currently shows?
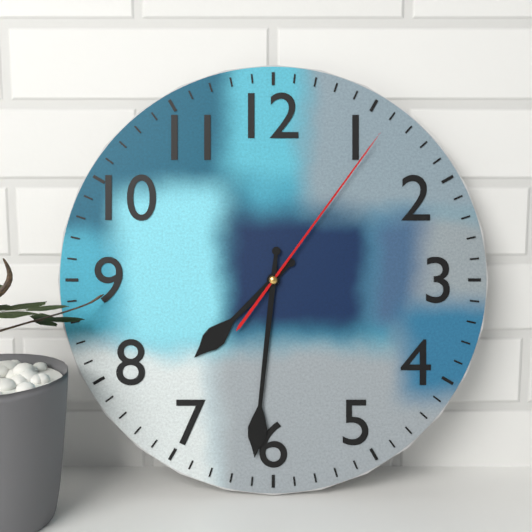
7:31:06
